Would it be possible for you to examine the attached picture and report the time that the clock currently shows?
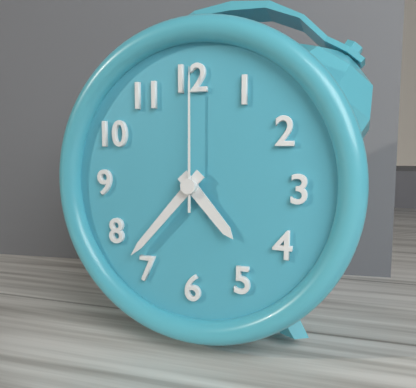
4:37:00
